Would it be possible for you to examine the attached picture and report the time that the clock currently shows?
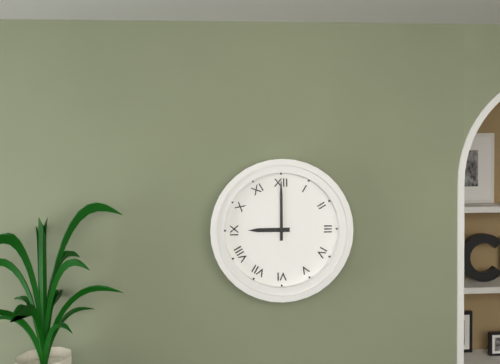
9:00
